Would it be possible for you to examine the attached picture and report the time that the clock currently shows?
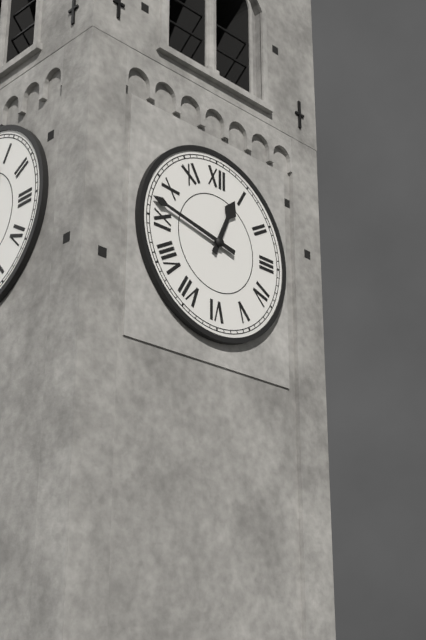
12:47
